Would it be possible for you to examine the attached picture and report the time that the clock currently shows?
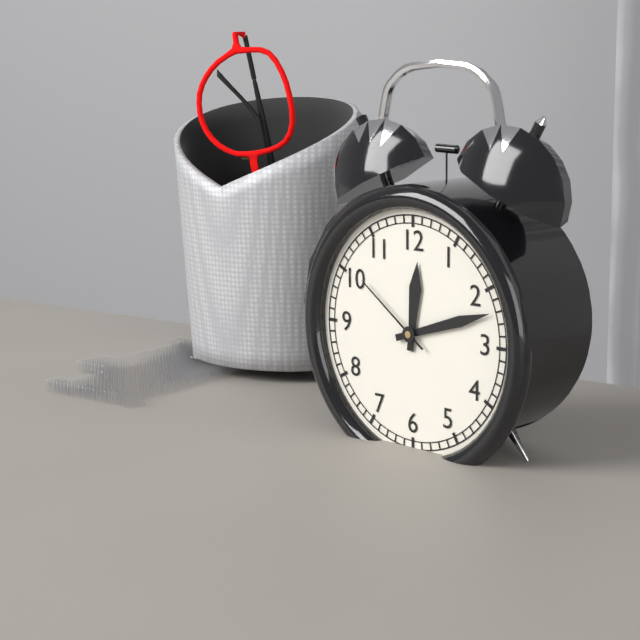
12:12:51
